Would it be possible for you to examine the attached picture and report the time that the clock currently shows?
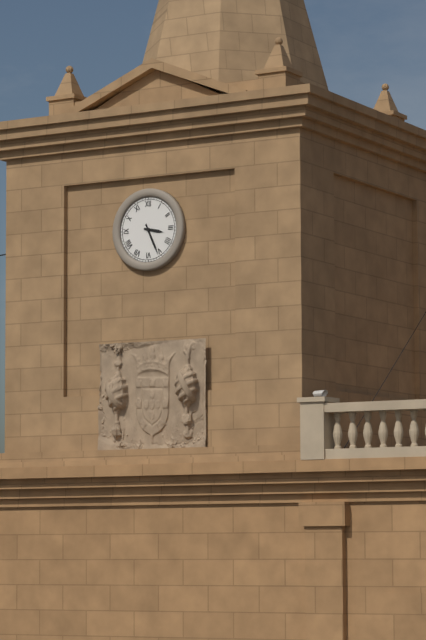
3:26
